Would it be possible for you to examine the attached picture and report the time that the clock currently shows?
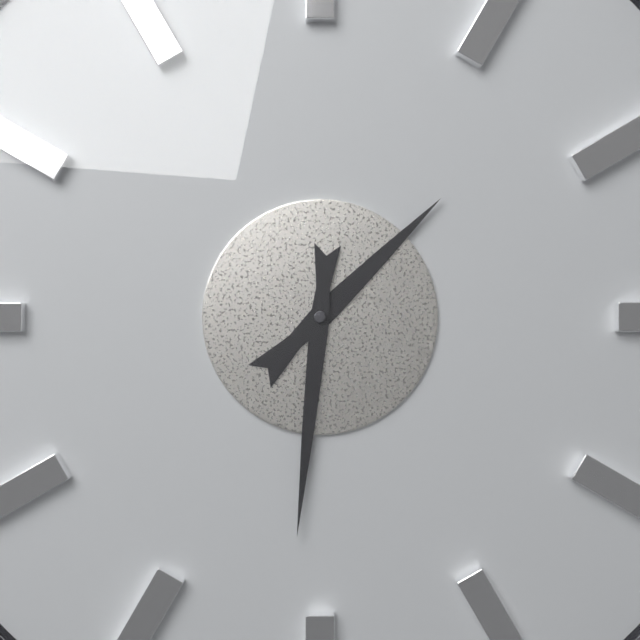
1:31
